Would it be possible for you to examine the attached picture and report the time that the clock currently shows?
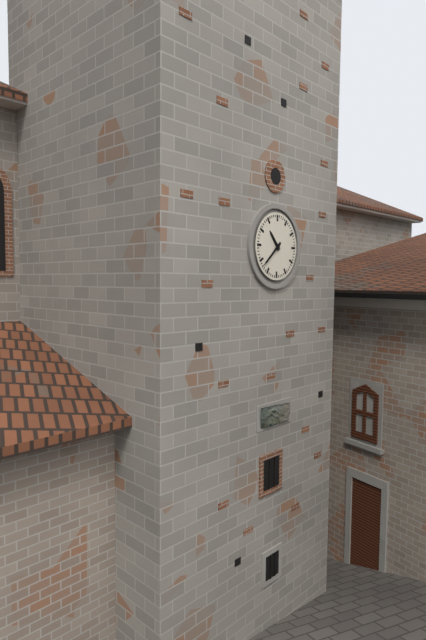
10:38
